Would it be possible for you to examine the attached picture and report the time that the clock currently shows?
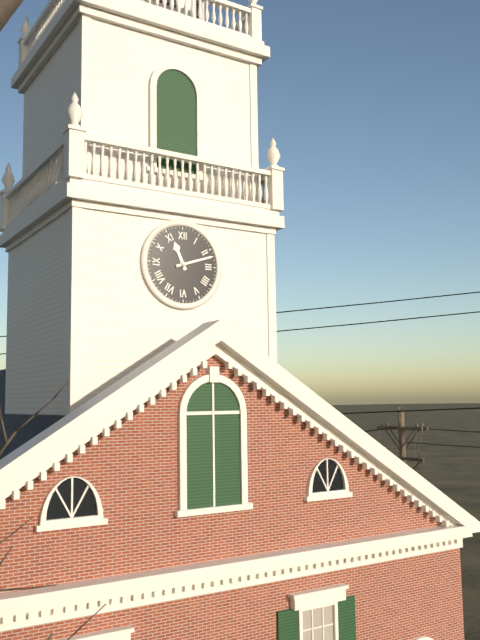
11:12
